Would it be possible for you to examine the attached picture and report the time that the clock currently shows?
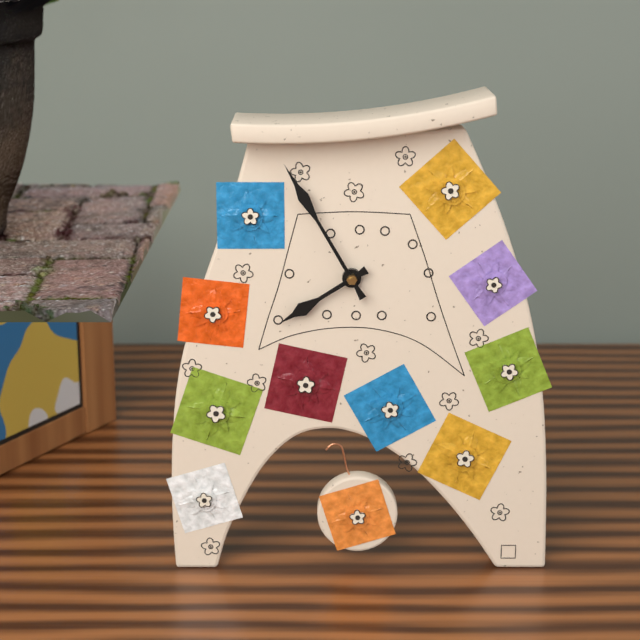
7:55
